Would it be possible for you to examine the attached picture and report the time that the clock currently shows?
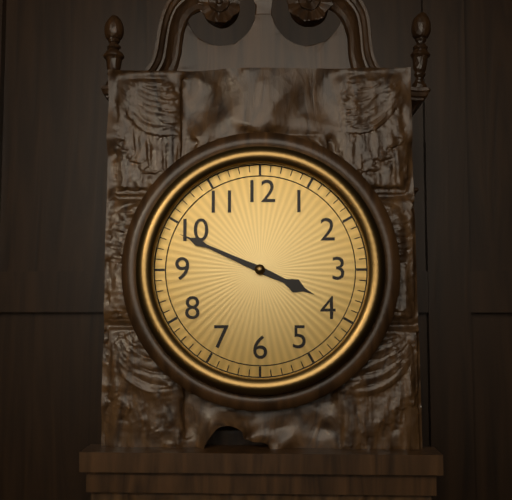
3:49
